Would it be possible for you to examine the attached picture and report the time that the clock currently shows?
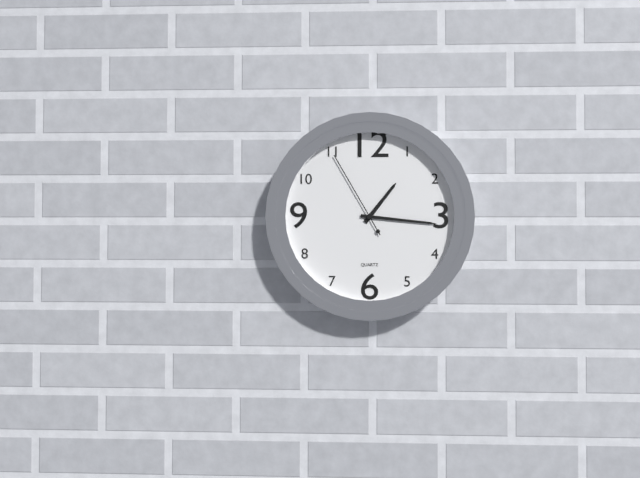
1:16:55
